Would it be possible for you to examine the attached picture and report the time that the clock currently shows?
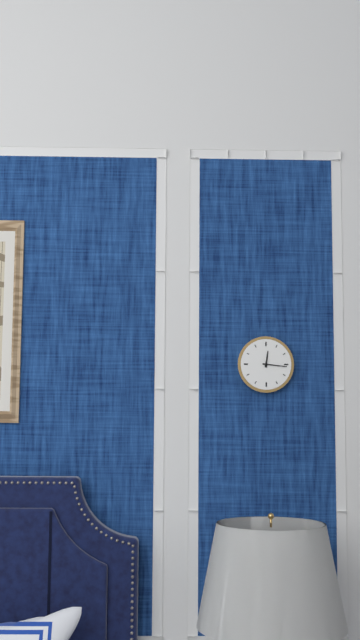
12:16
